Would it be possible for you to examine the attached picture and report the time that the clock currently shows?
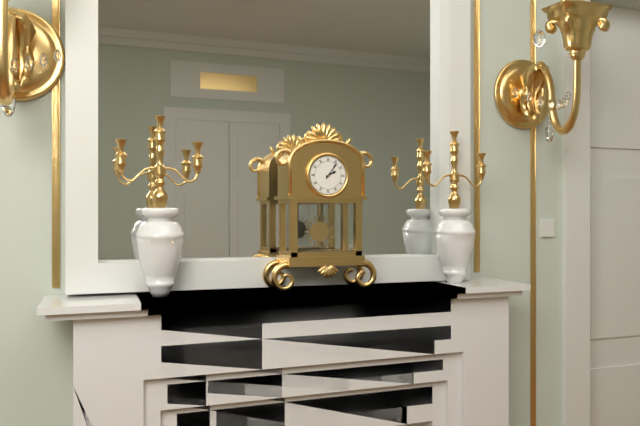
2:06
